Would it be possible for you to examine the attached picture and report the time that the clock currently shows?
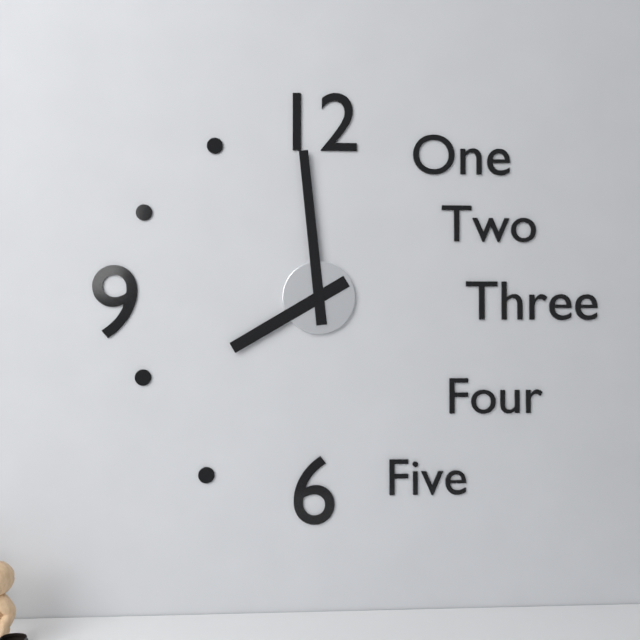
7:59
